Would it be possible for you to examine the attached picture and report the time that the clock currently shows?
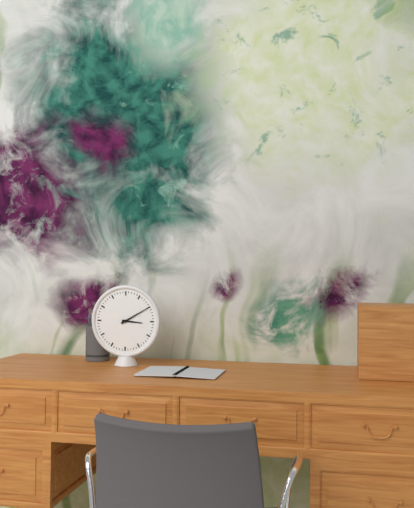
3:10
